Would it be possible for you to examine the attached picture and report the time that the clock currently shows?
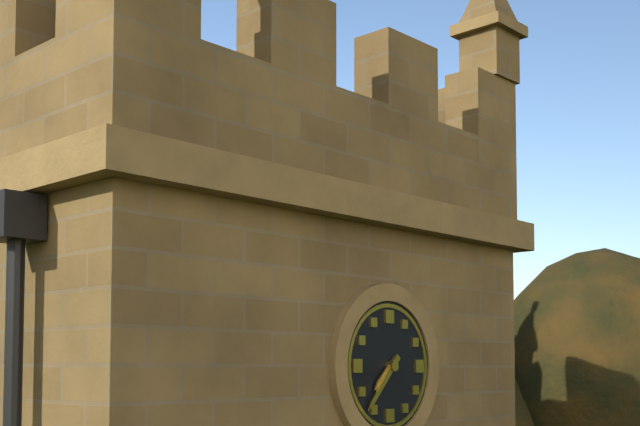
7:37
